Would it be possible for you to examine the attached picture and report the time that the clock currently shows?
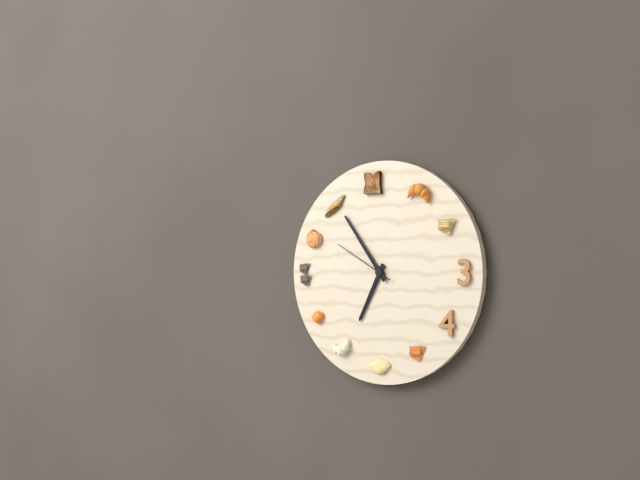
6:54:50
